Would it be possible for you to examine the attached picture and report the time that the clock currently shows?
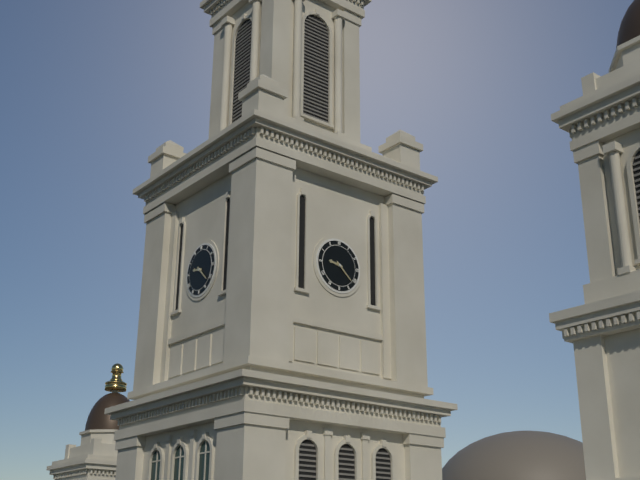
9:22
